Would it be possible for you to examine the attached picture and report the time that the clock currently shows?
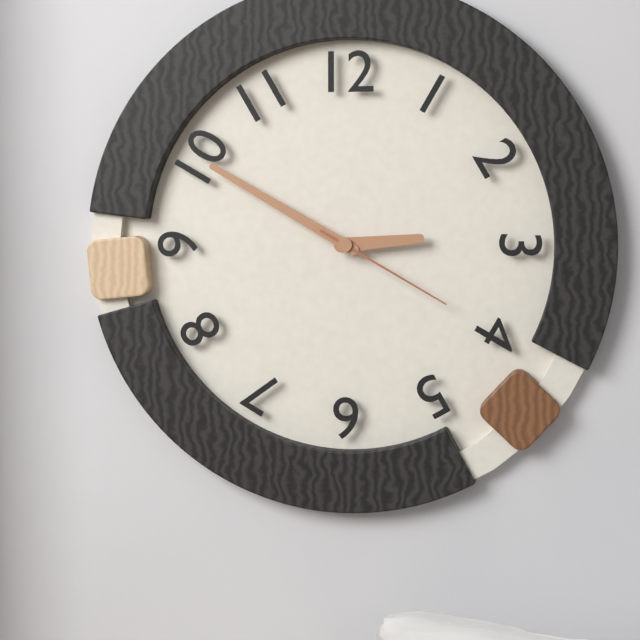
2:50:20
